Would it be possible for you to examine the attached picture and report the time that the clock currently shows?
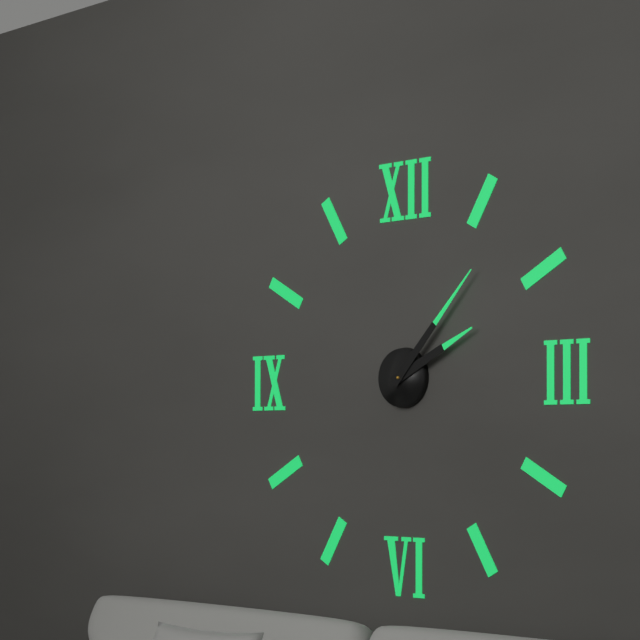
2:07
